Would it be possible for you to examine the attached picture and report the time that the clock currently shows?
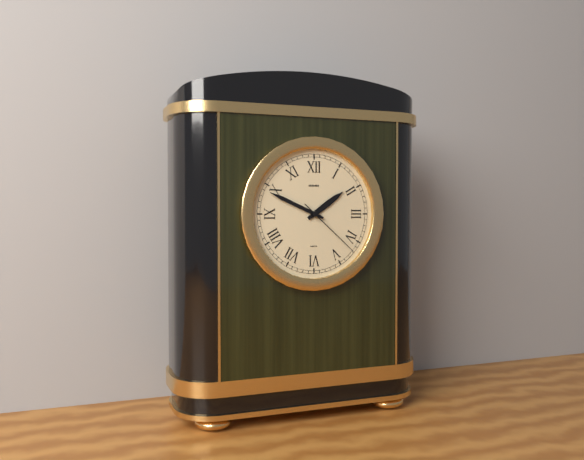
1:49:22
